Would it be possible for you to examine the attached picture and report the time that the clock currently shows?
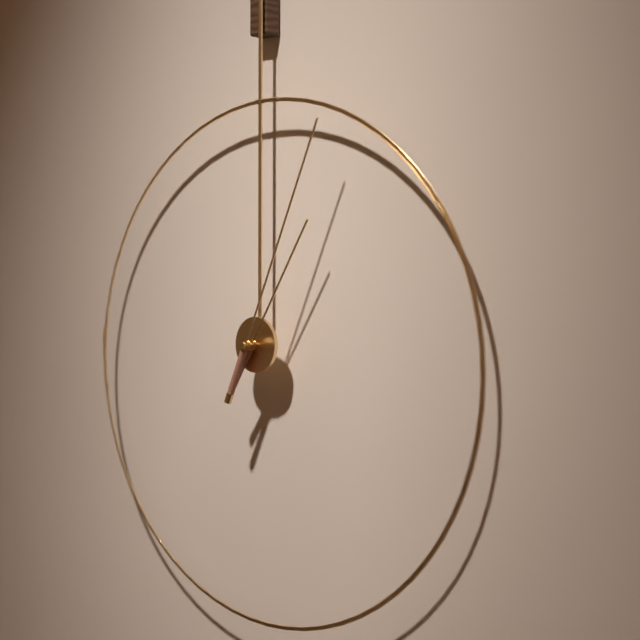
1:04
